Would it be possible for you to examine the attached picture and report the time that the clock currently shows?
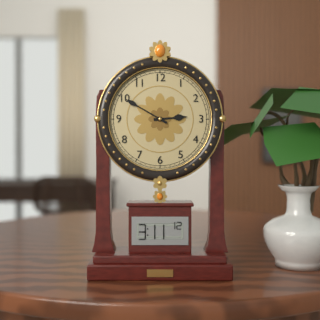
2:50
